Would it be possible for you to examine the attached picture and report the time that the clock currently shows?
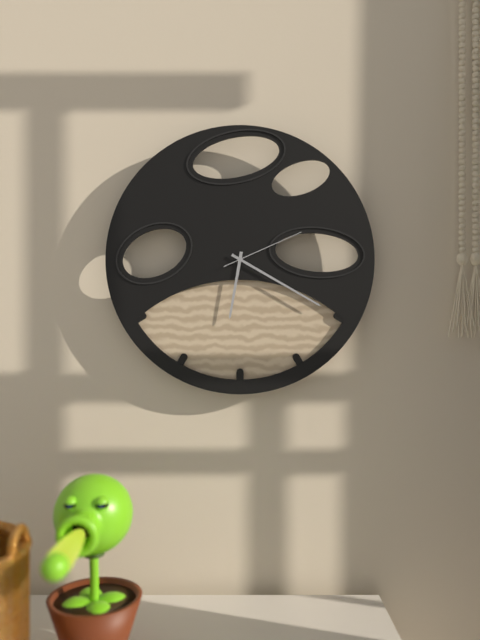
6:20:11
